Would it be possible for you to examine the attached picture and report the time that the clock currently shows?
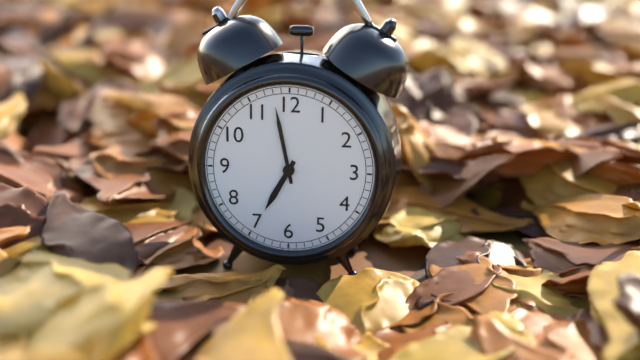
6:58
